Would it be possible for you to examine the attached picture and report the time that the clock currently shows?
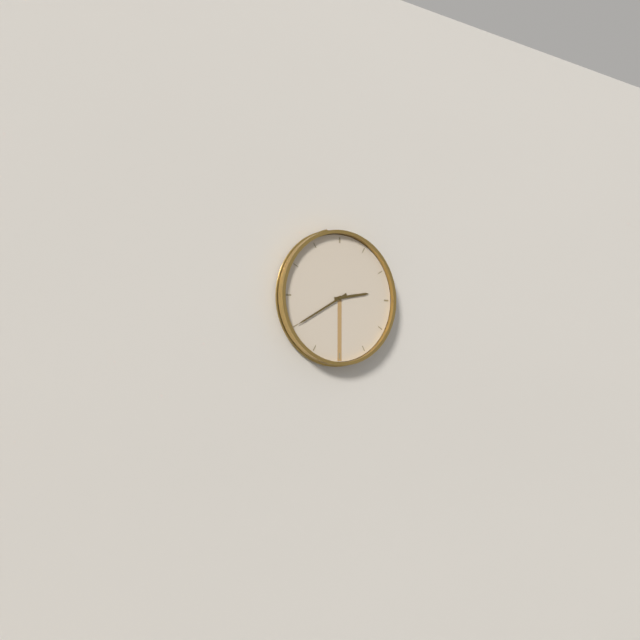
2:40
